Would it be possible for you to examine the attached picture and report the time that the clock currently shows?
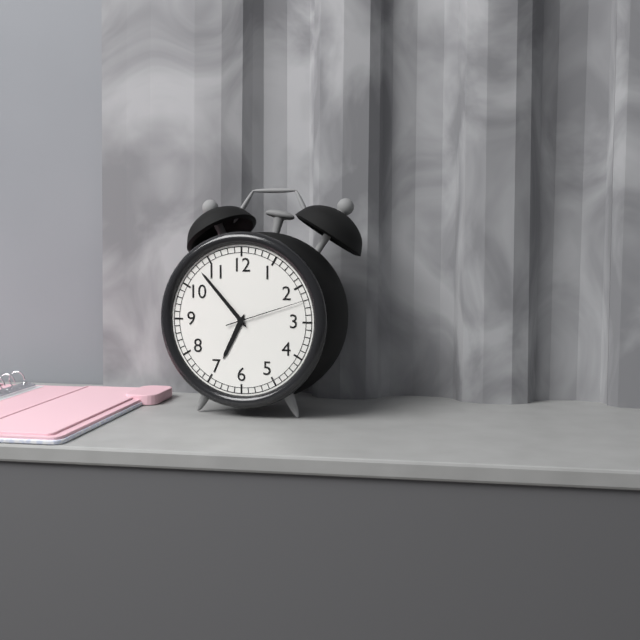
6:53:12
